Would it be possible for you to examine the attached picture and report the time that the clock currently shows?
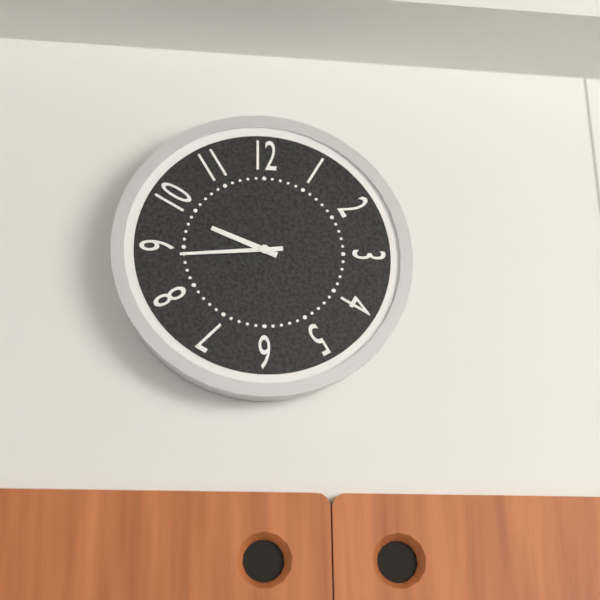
9:44
